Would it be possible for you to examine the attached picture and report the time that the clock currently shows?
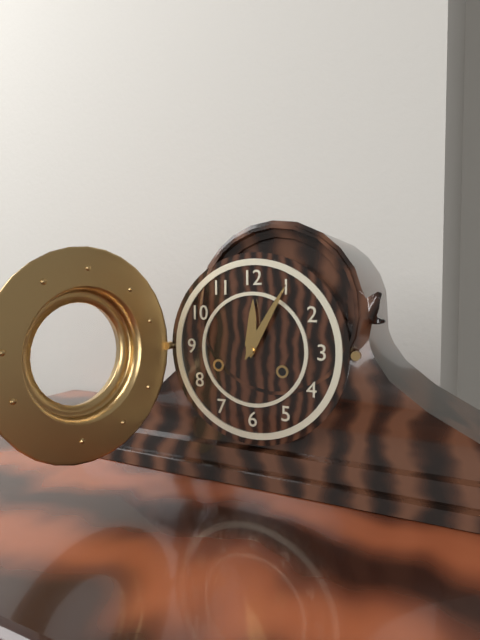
12:05
